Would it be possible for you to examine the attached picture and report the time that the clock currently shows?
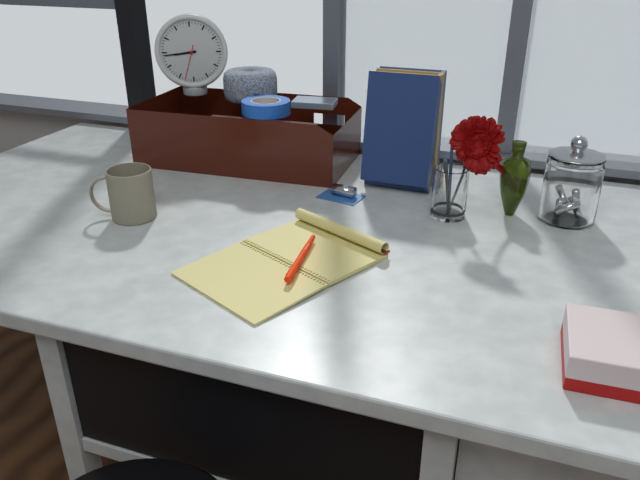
8:44
